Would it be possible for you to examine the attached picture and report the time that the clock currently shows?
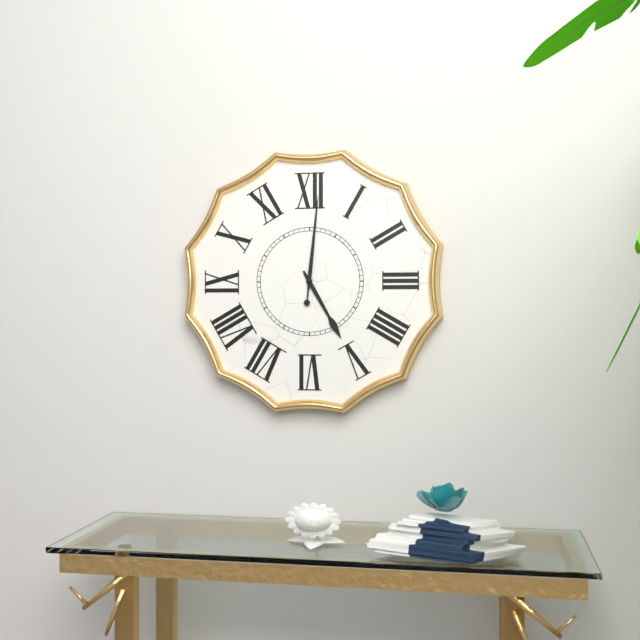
5:01
